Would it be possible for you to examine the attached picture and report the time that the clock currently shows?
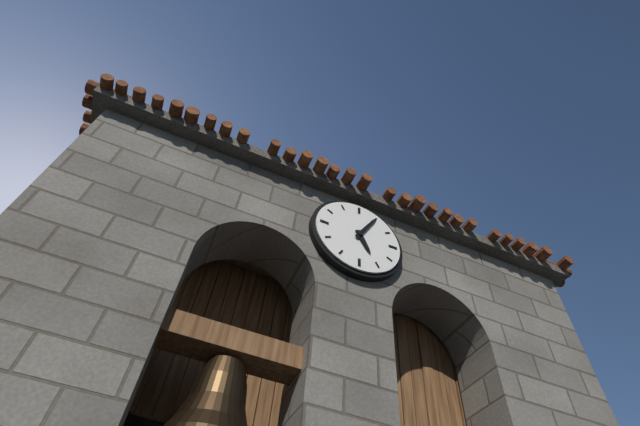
5:05
